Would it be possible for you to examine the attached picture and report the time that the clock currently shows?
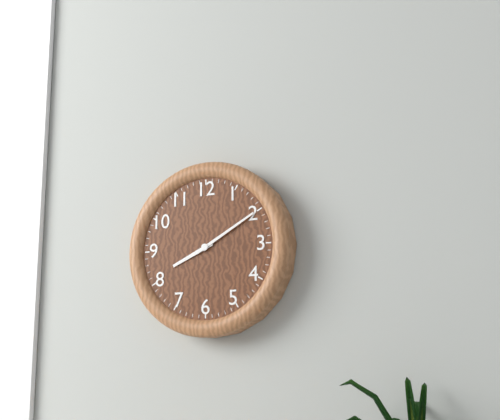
8:10
